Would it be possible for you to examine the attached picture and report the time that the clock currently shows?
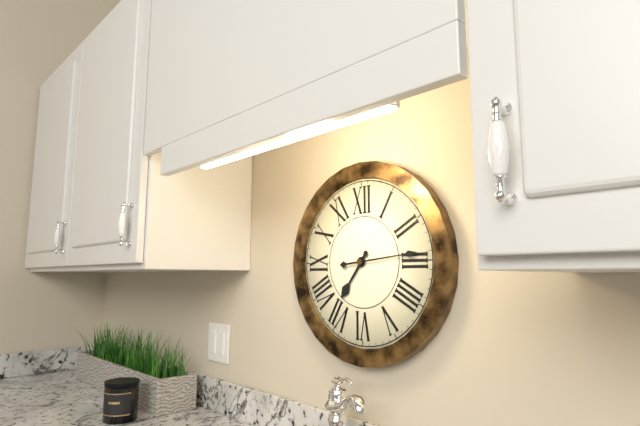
7:14
